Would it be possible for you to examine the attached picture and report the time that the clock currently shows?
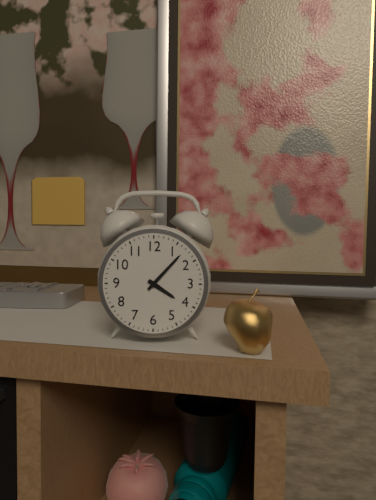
4:07
